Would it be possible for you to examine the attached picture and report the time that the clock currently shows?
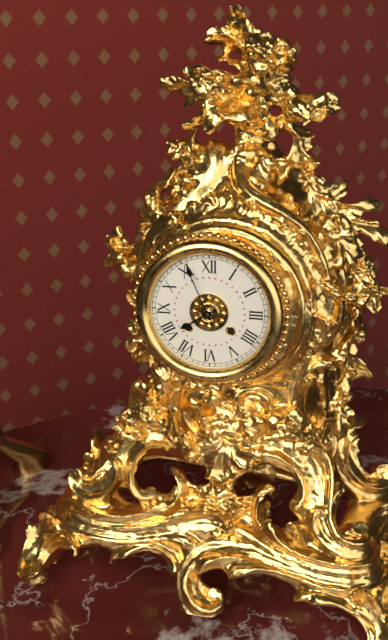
7:56
